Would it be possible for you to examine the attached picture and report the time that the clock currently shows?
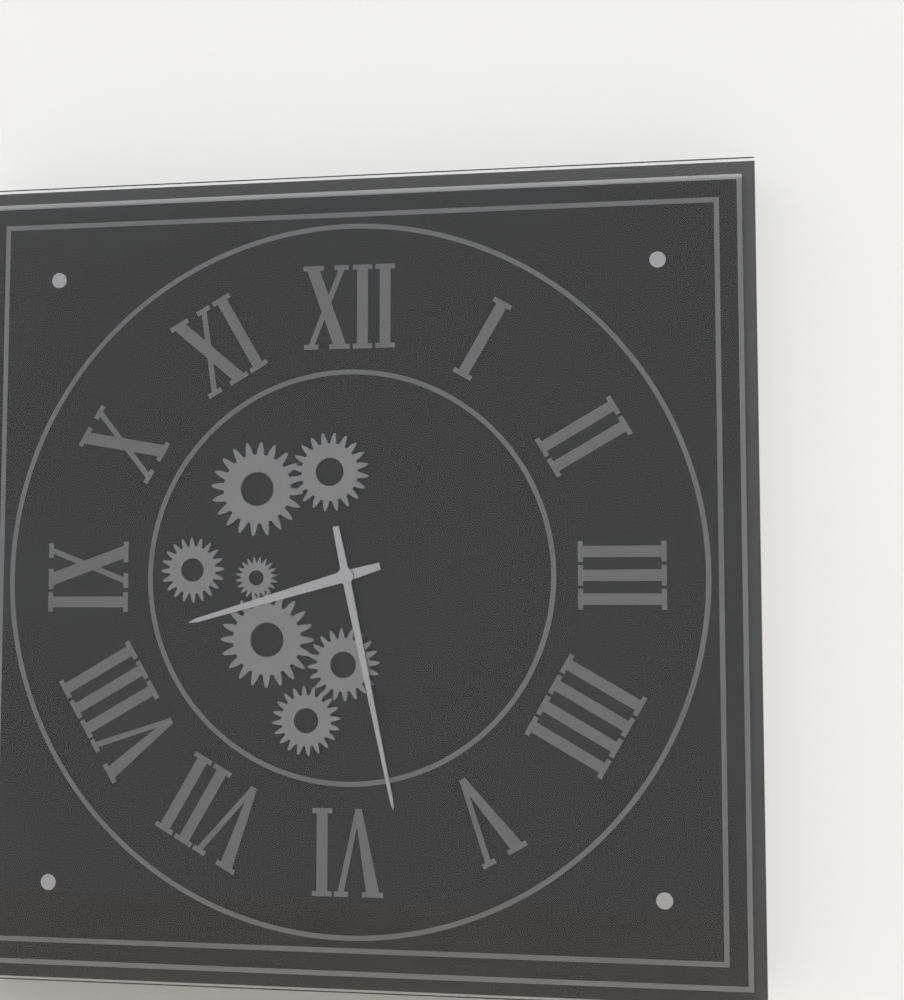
8:28
